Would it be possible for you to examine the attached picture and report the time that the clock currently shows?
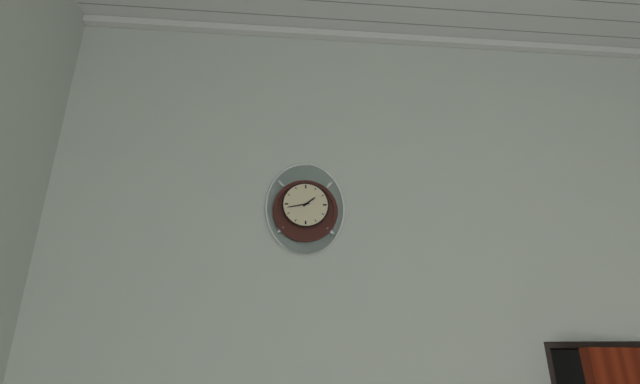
1:43
